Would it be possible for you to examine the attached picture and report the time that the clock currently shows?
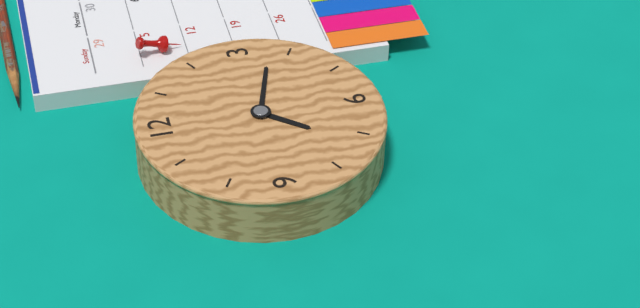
7:18
